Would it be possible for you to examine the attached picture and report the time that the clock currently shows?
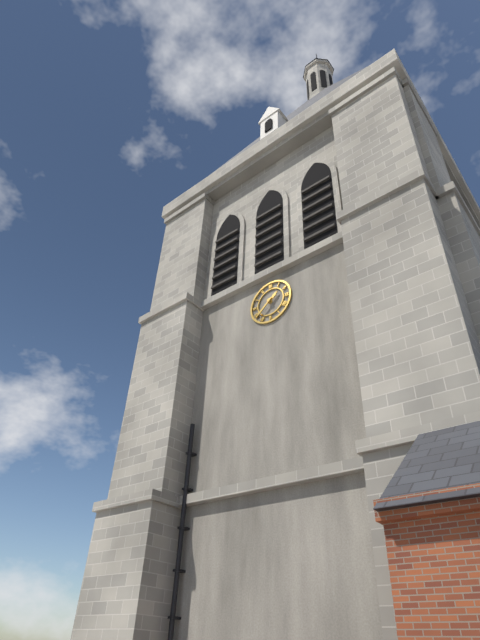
1:38
